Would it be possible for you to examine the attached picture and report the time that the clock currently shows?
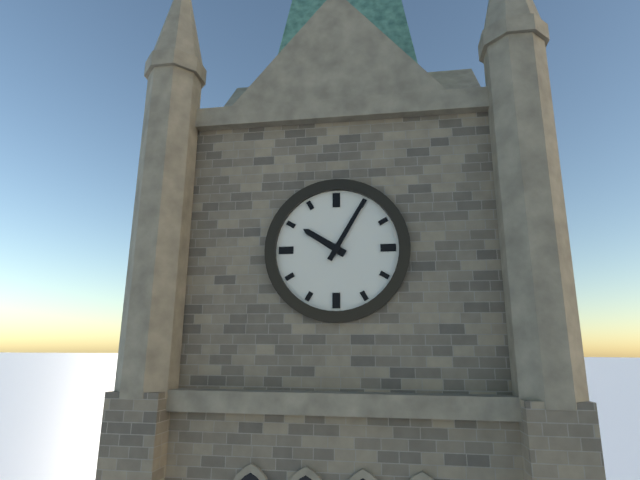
10:05
